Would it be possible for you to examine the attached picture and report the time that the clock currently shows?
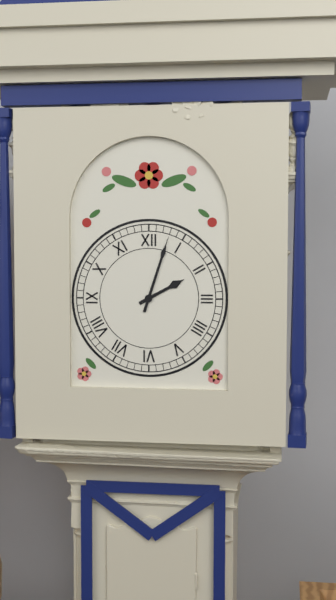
2:03
